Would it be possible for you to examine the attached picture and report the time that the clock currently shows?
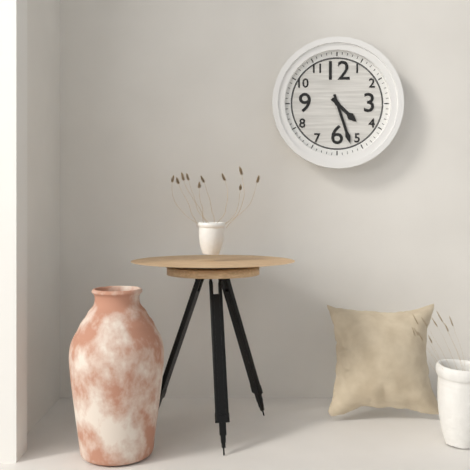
4:27
